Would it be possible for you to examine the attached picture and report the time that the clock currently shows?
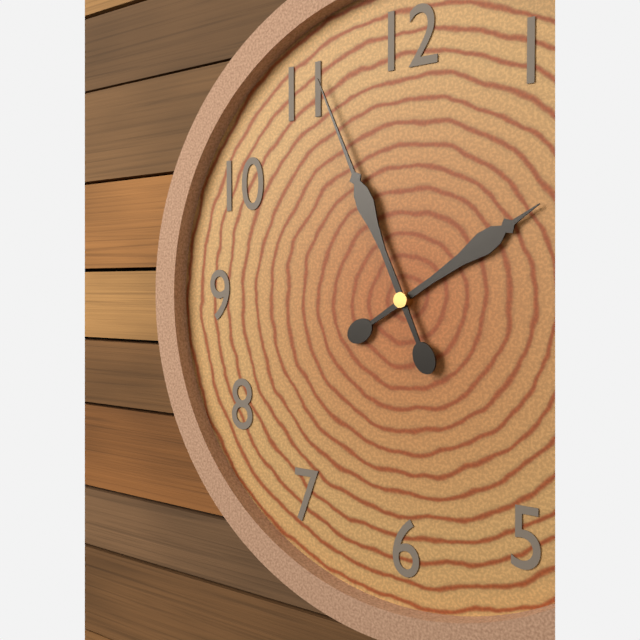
1:56
